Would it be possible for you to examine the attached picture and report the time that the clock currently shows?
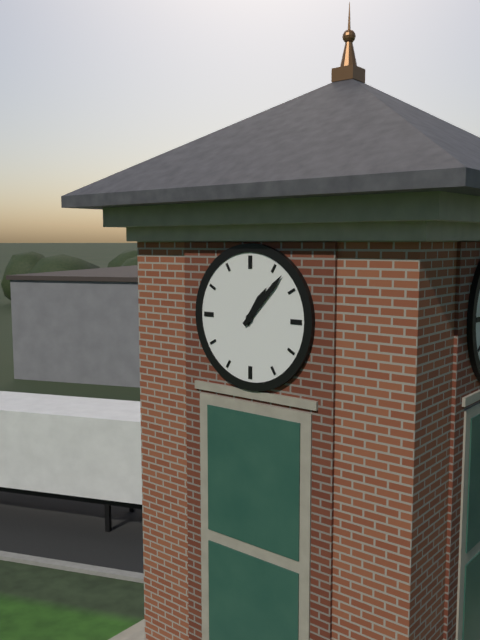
1:07
